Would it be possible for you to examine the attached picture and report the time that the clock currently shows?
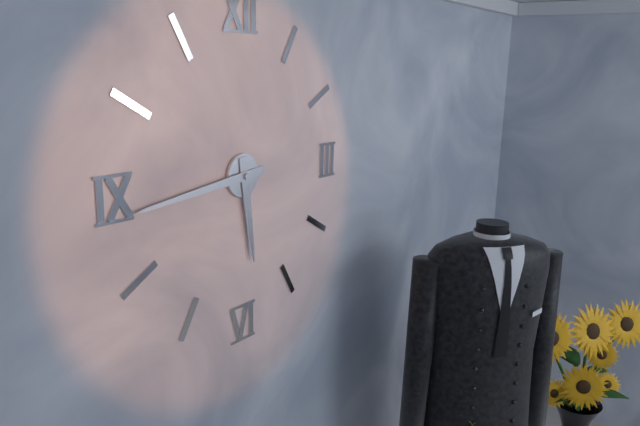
5:44
